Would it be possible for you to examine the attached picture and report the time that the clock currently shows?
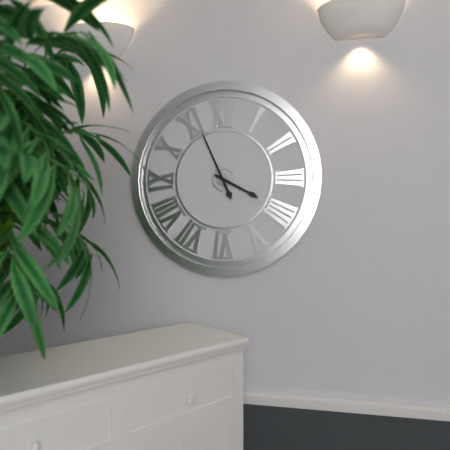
3:56
